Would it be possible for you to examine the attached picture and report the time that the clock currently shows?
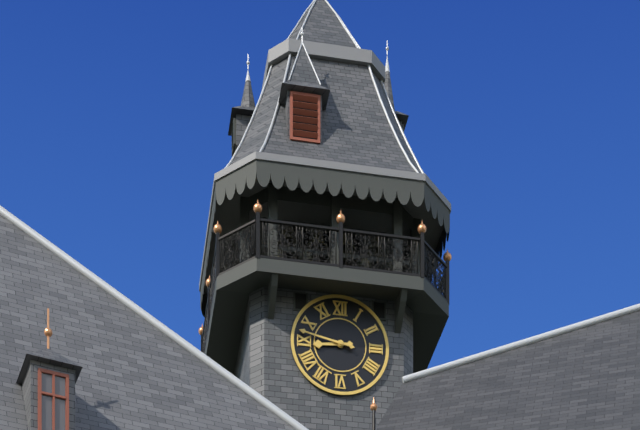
8:47
